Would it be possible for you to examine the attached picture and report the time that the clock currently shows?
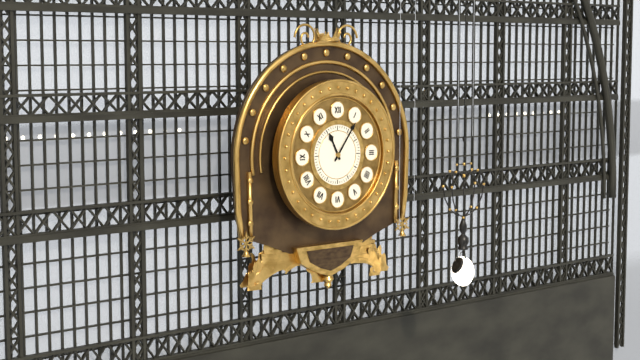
11:06
